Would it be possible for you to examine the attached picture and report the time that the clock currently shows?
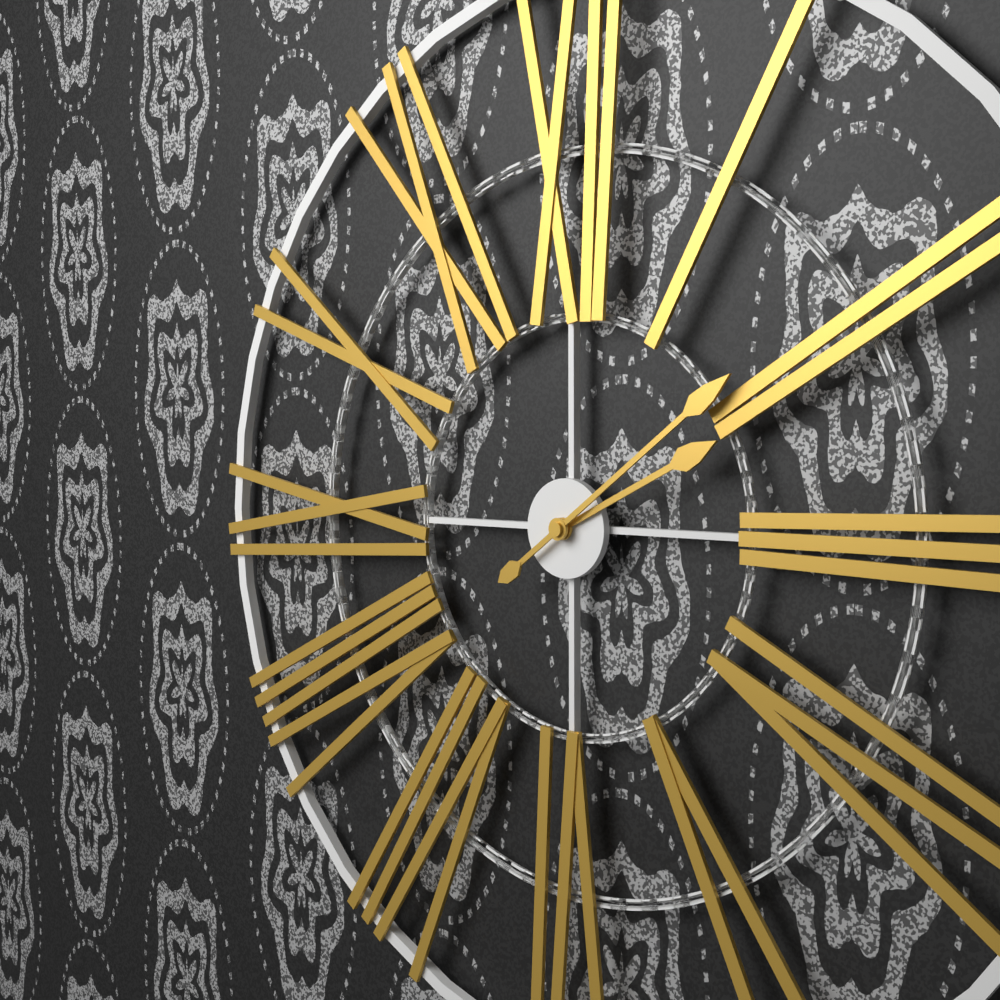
2:09
